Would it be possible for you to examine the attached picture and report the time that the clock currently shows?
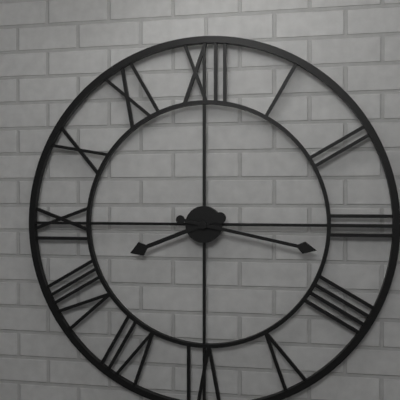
8:17
